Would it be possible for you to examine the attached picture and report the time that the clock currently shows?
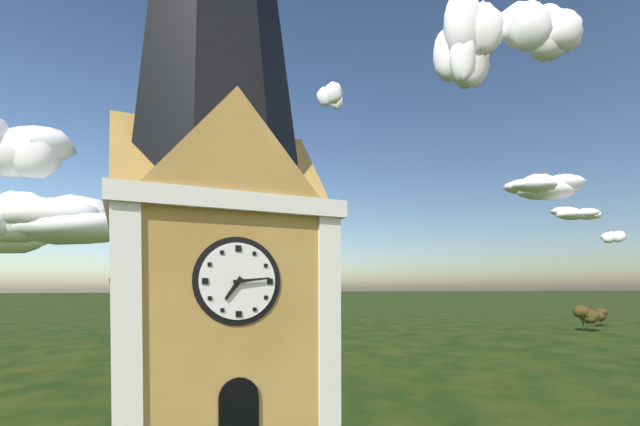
7:14
